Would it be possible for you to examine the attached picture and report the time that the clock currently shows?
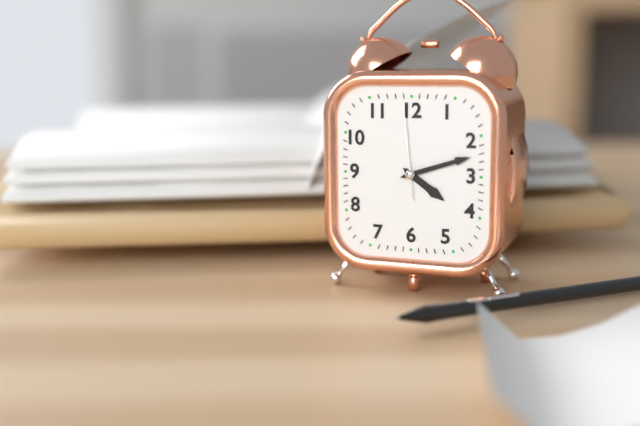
4:12:59
